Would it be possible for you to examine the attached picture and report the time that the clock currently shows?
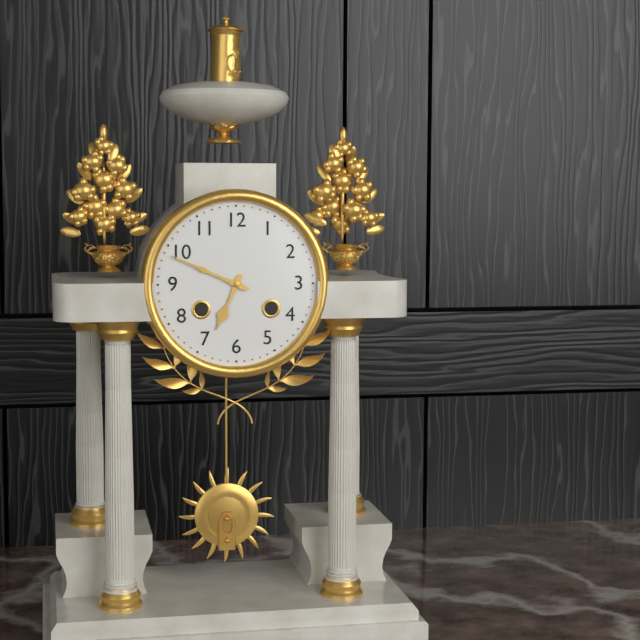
6:49
